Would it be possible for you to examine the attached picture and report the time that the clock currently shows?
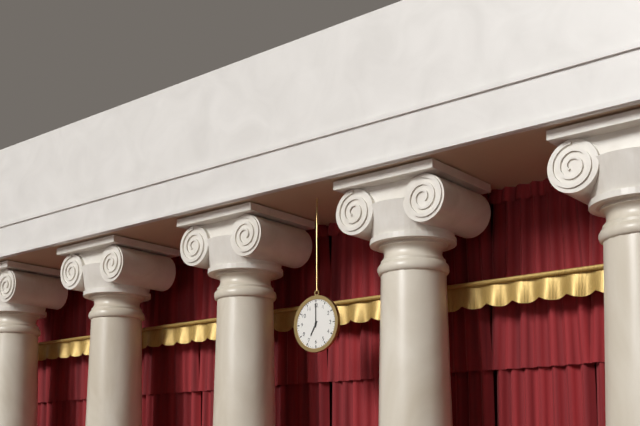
7:00
